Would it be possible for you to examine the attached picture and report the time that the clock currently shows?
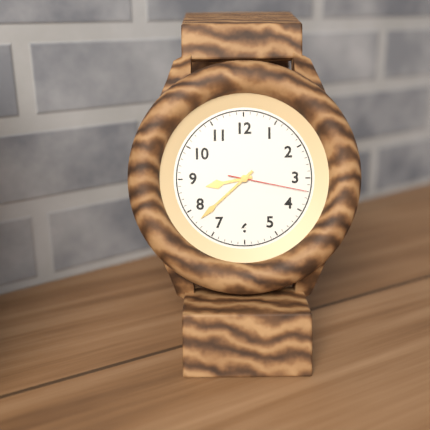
8:38:17
